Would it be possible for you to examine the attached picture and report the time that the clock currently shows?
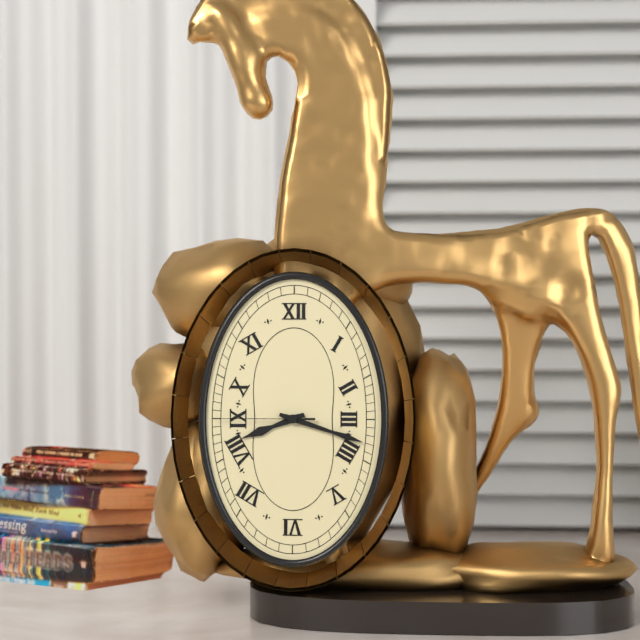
8:18:45
